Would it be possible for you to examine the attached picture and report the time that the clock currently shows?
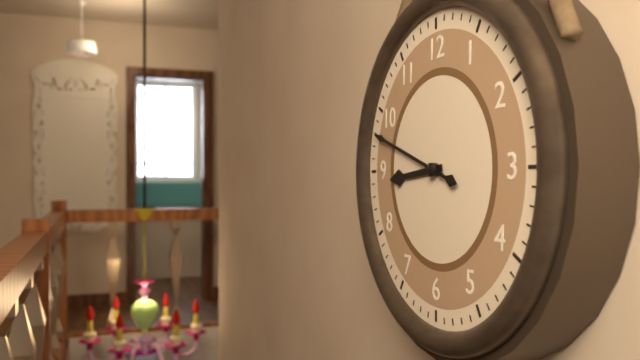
8:48
